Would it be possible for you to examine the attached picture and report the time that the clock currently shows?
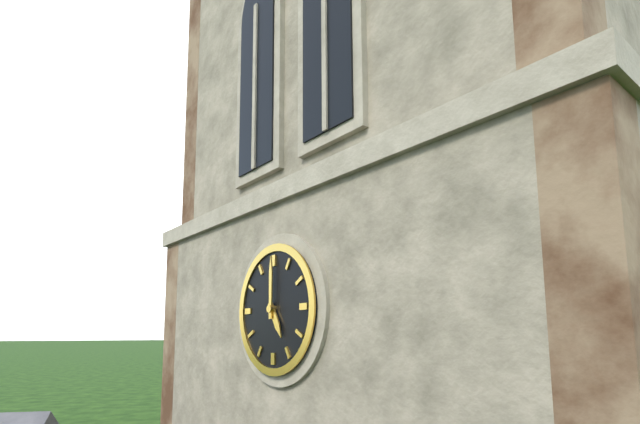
5:00
